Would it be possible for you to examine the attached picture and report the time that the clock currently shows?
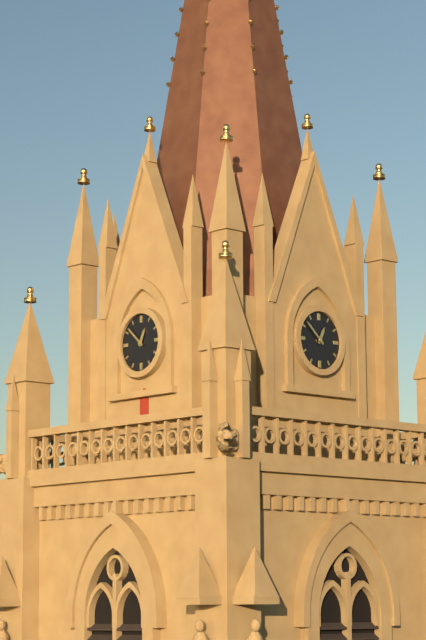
12:52
